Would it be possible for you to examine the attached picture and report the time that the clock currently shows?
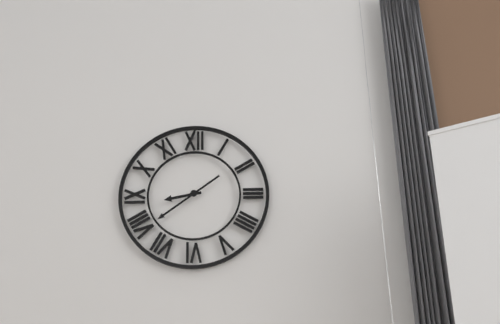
8:39
